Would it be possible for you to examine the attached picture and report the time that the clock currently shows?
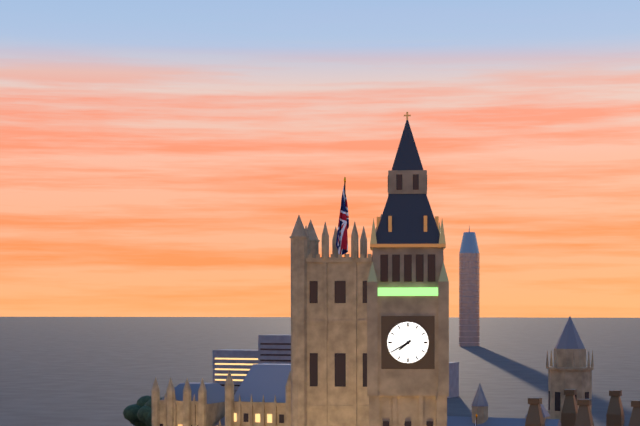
7:40
